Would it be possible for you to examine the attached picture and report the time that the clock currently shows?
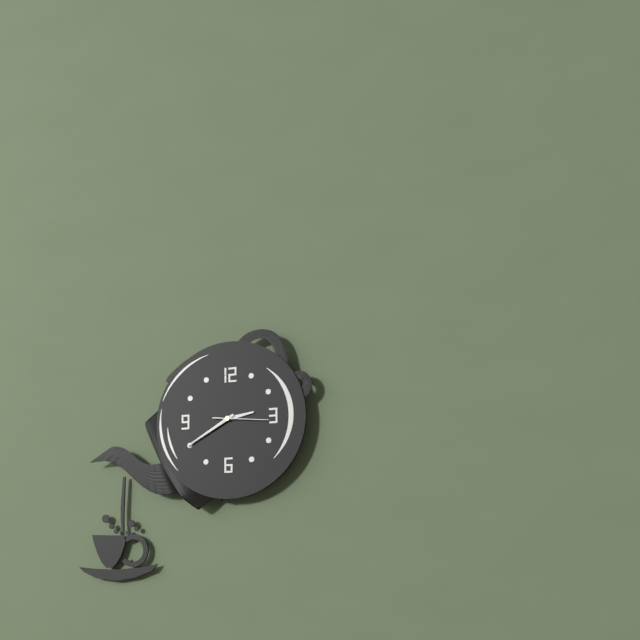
2:40:16
